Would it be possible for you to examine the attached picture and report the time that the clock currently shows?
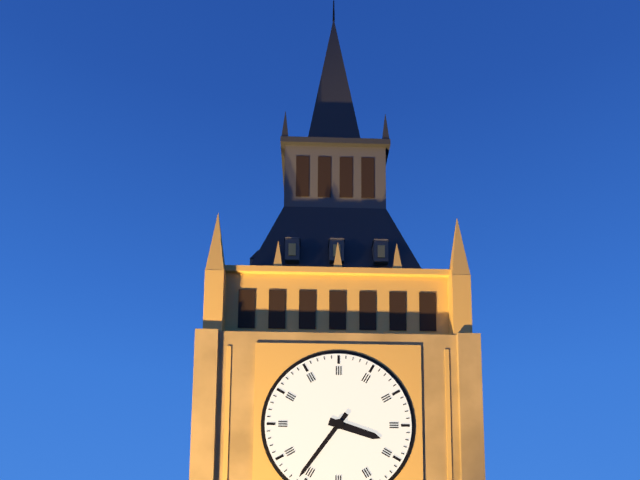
3:36
